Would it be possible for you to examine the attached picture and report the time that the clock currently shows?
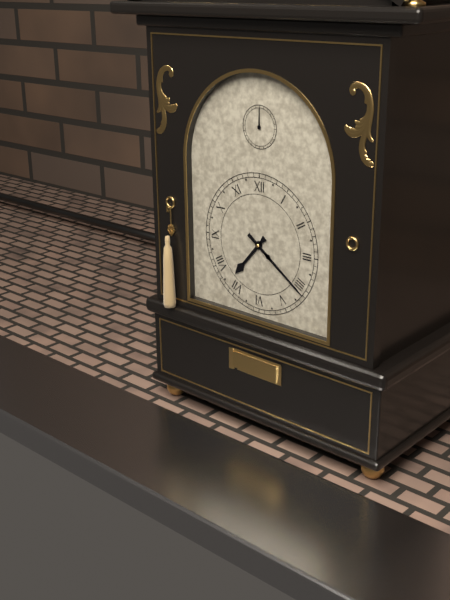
7:21
